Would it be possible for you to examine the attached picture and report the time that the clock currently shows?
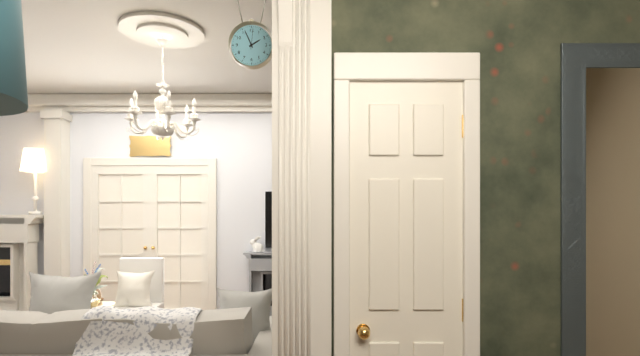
1:56
